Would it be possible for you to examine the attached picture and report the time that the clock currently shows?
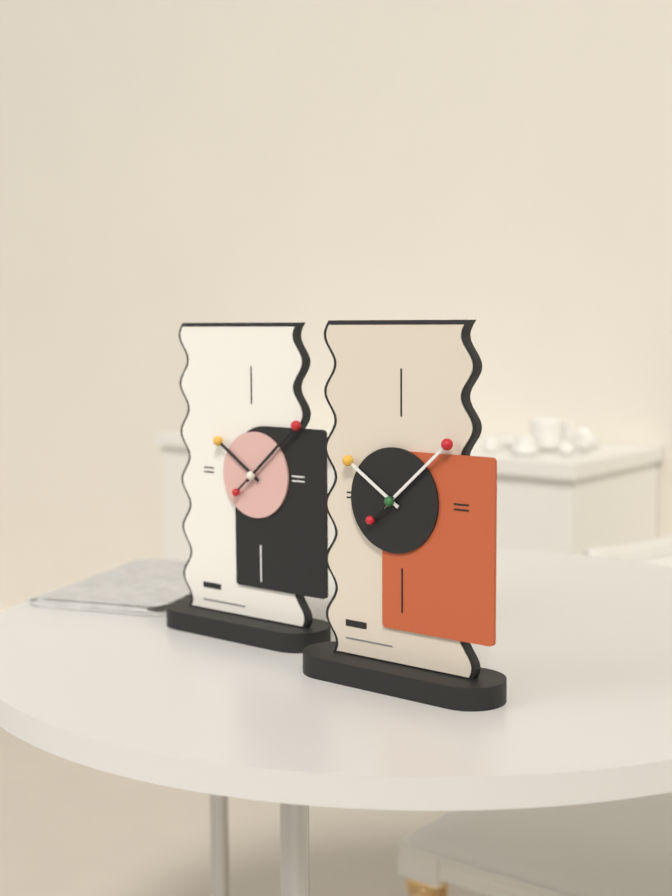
10:08
